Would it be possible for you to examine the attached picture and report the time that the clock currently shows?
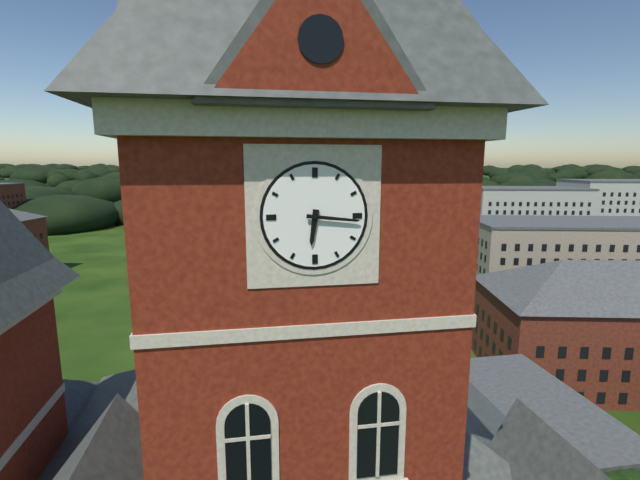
6:16
